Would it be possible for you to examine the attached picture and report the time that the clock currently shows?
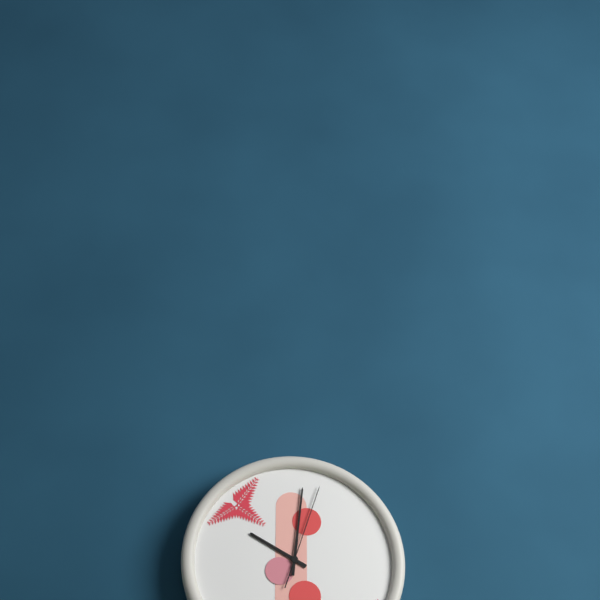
10:01:03
